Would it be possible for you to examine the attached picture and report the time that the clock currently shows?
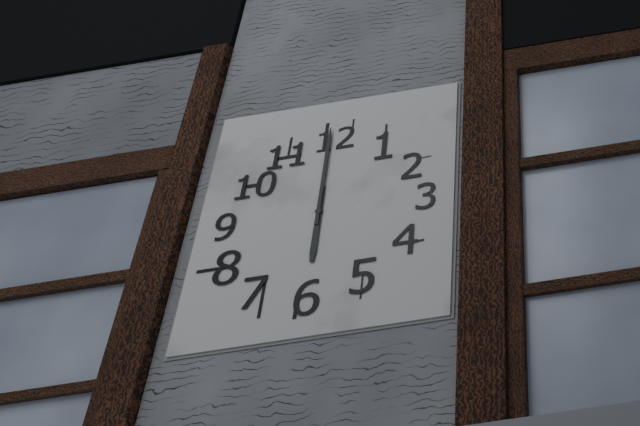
6:00
